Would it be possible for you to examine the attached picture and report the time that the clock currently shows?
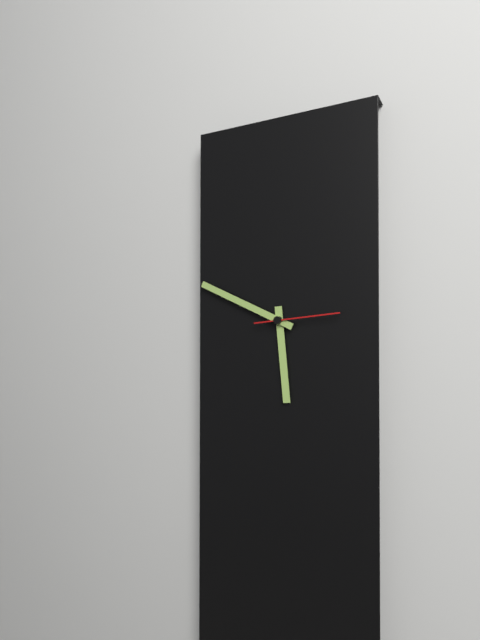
5:49:14
